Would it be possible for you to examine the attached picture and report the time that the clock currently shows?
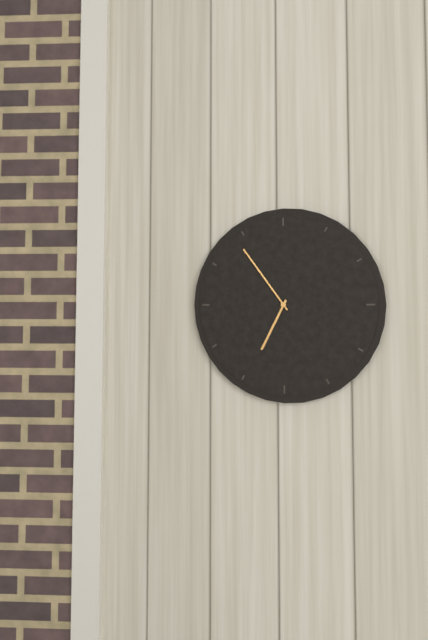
6:54
